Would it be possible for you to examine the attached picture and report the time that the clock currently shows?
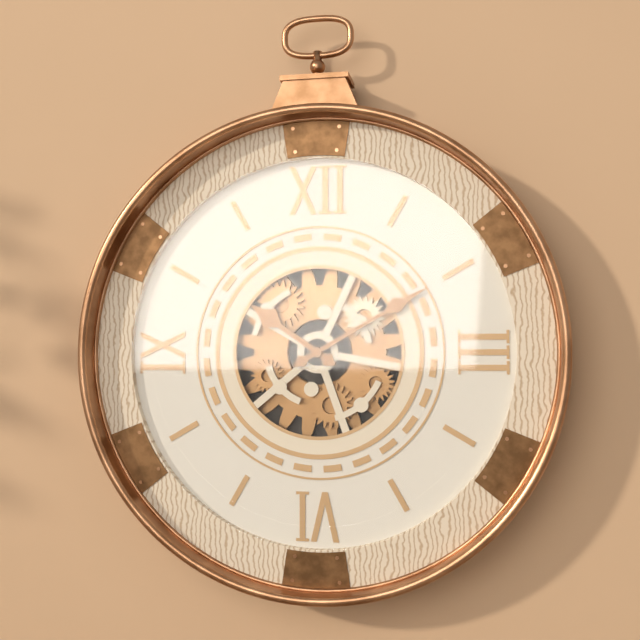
10:10
